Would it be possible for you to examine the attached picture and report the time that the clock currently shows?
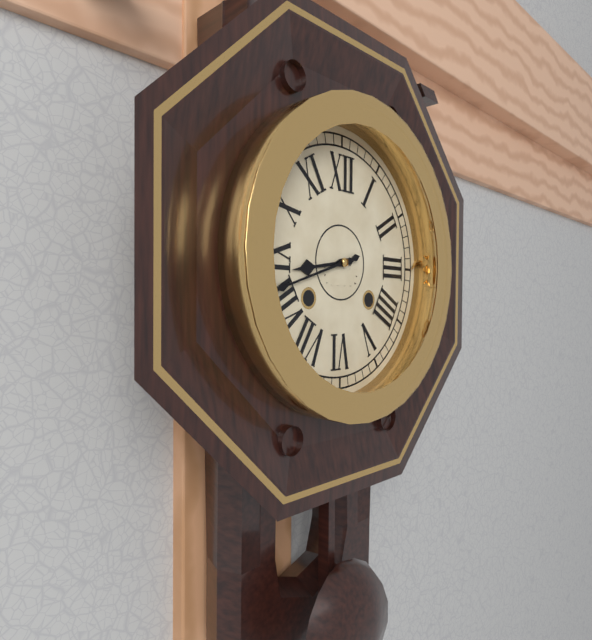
8:42
